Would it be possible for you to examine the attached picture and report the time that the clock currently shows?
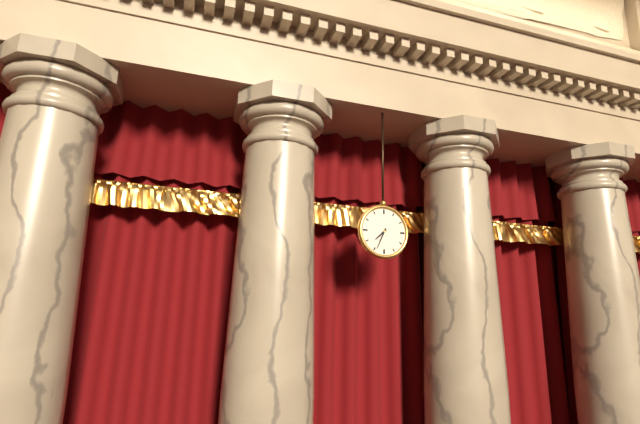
7:34
